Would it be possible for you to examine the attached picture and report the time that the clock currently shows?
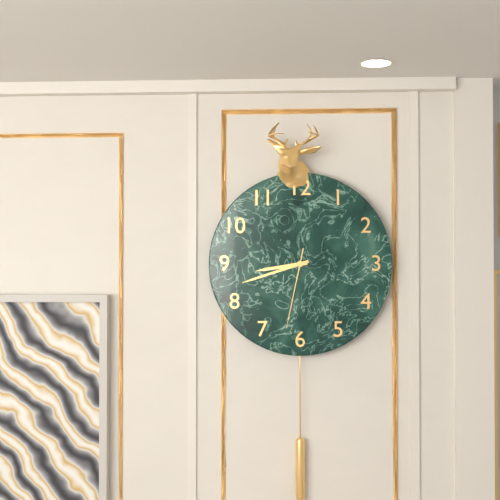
8:42:32
